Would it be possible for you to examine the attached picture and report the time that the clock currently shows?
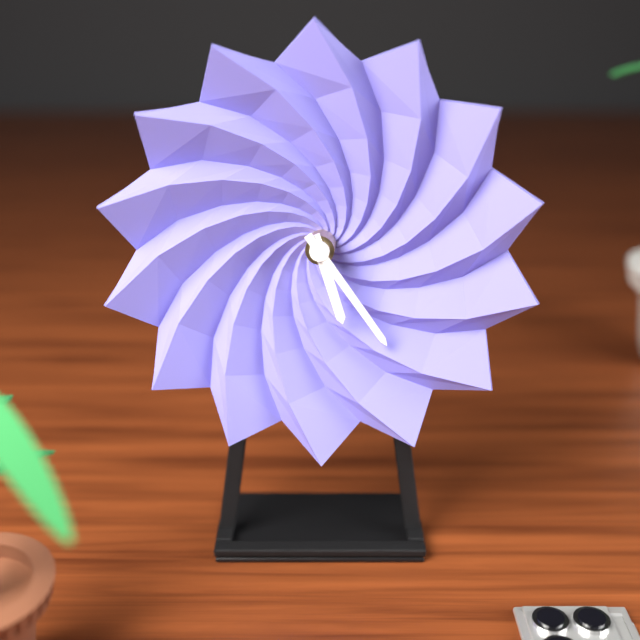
5:24
